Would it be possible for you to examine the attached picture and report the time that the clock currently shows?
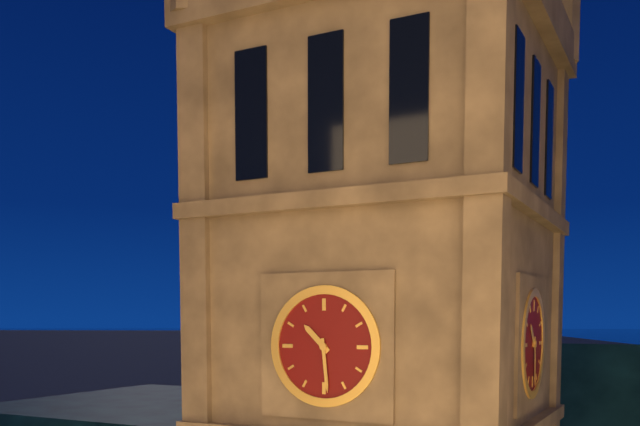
10:29
